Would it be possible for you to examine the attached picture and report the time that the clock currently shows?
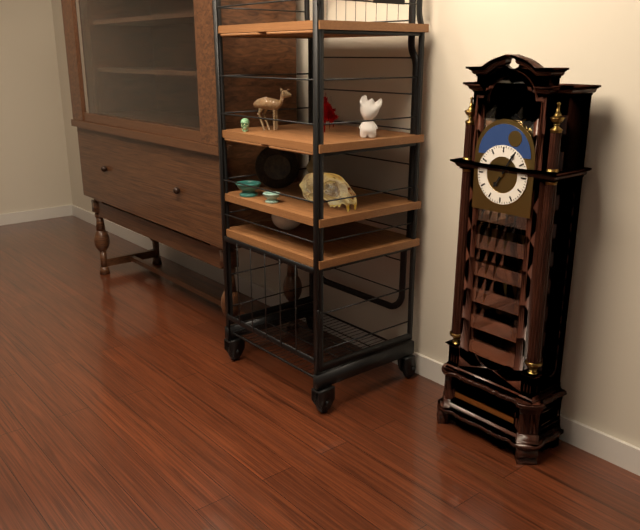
7:05
